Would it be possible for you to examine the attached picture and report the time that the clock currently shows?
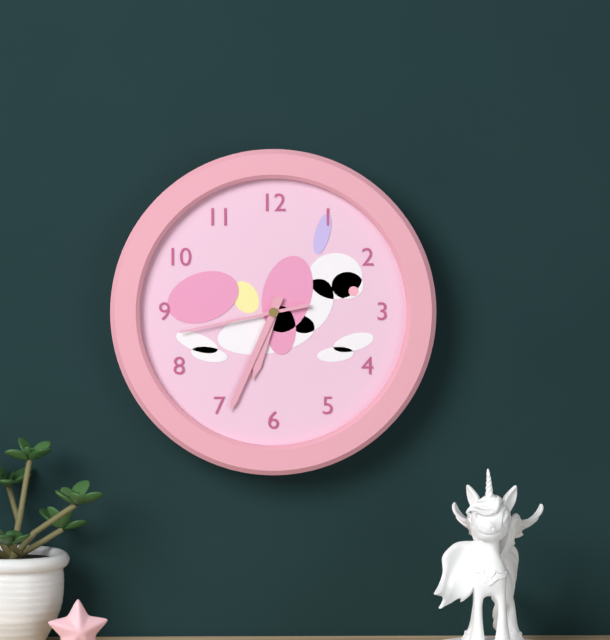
6:34:43
